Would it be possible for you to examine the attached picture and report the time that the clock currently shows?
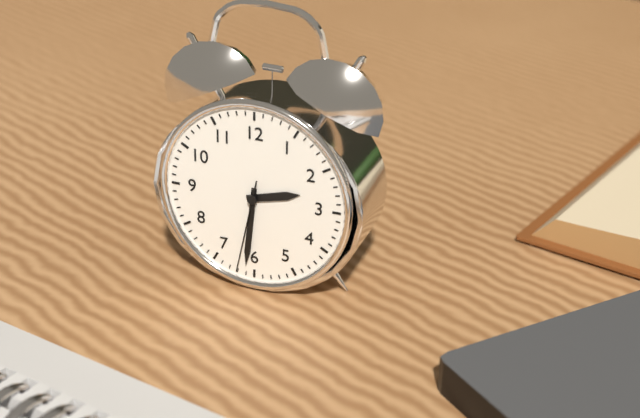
2:31:32
